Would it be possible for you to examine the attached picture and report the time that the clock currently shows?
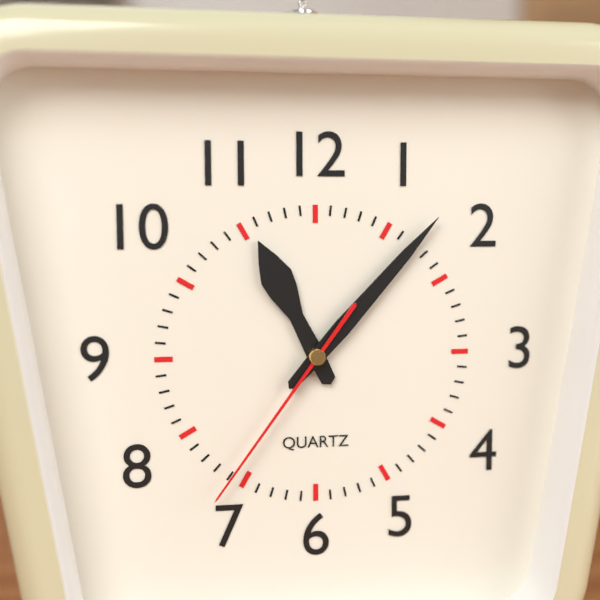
11:07:36
